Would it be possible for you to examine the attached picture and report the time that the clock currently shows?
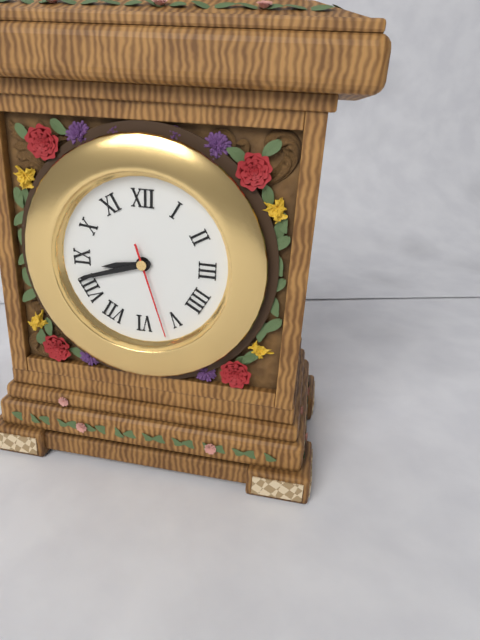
8:42:27
